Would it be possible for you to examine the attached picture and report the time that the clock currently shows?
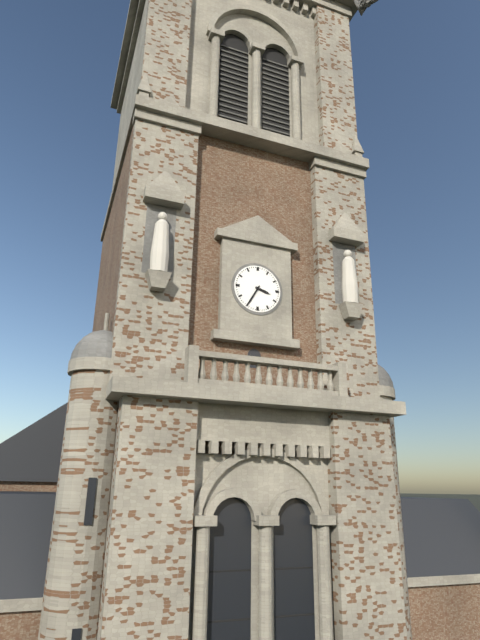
3:35
